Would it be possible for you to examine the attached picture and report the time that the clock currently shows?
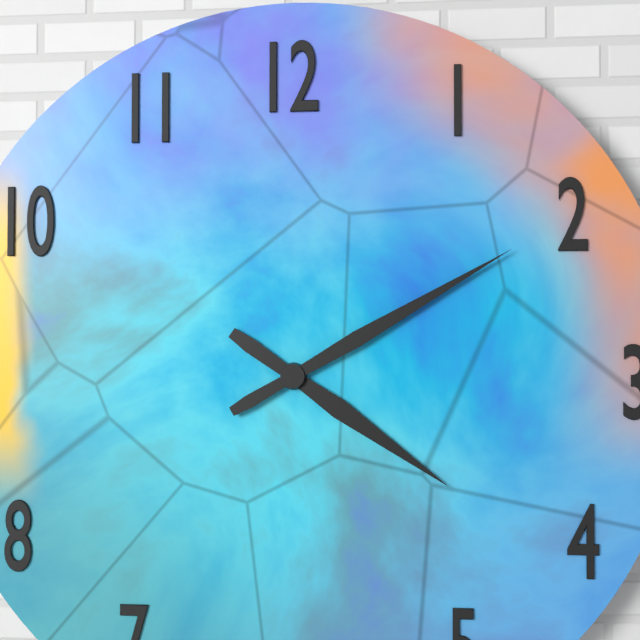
4:10
